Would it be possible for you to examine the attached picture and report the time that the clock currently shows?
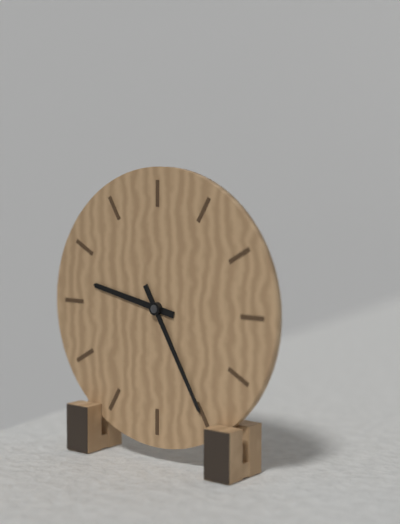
9:25
